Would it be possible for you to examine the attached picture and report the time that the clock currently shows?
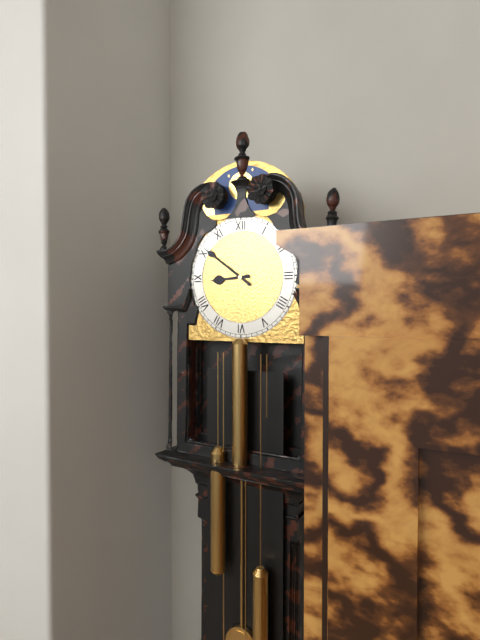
8:51
